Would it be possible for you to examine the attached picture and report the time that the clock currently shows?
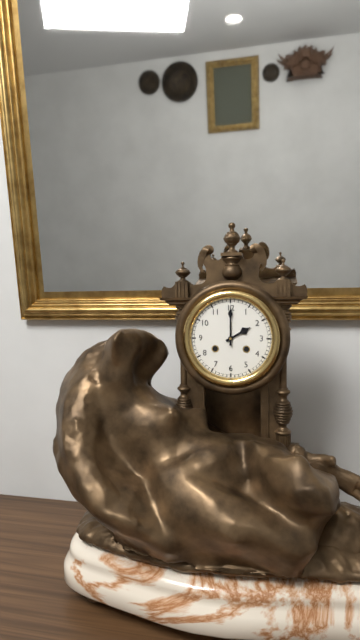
2:00
